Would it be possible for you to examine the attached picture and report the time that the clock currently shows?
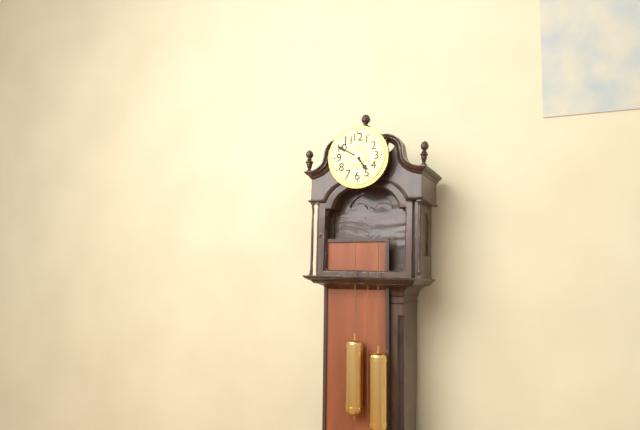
4:50
